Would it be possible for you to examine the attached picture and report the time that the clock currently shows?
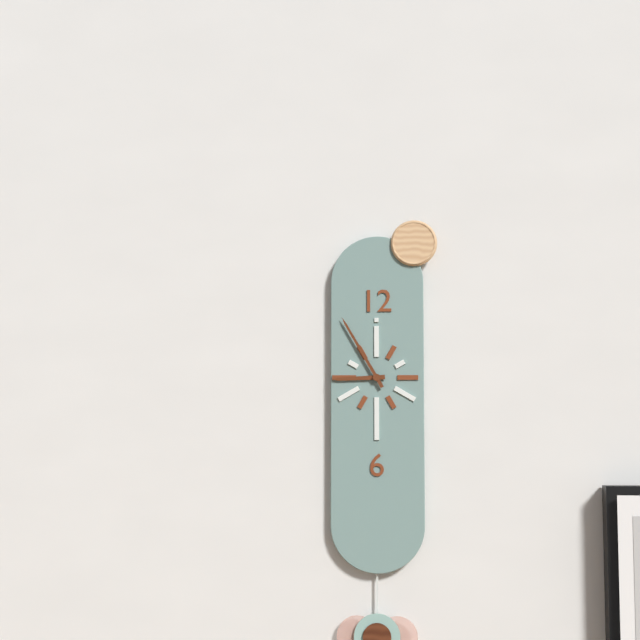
8:55
